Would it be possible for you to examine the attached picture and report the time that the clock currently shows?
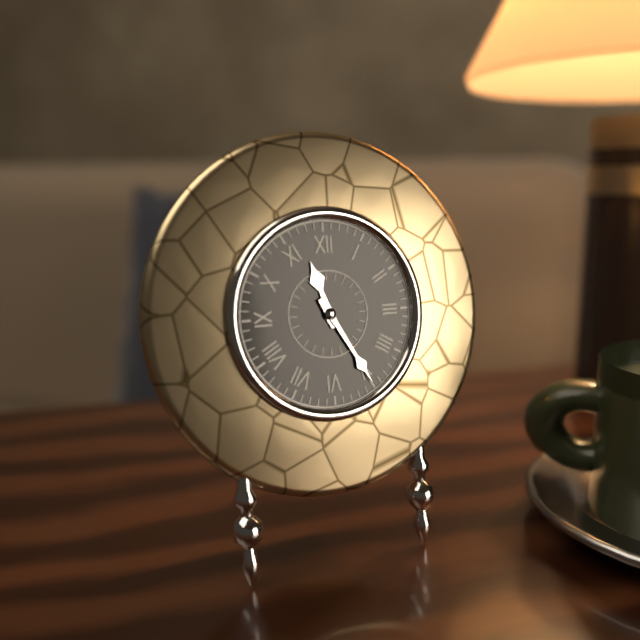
11:25
